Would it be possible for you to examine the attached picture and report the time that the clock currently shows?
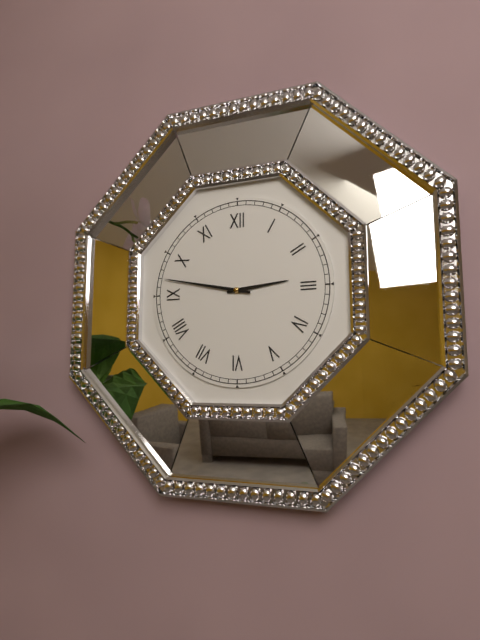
2:47
